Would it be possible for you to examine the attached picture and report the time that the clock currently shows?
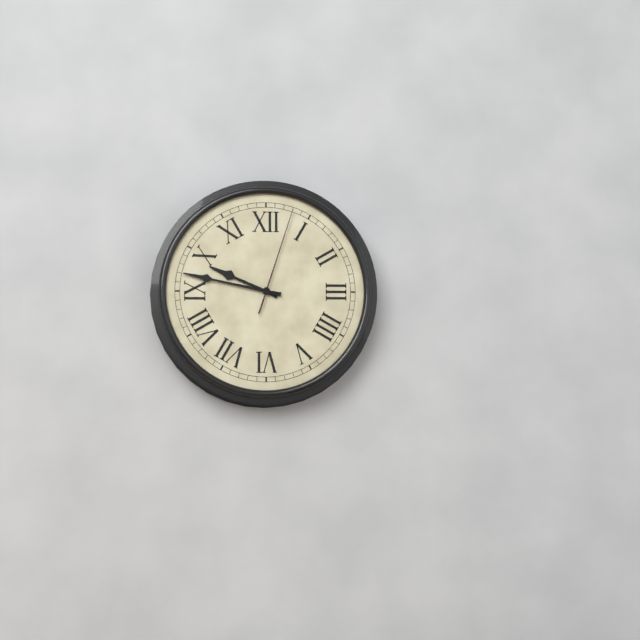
9:47:03
